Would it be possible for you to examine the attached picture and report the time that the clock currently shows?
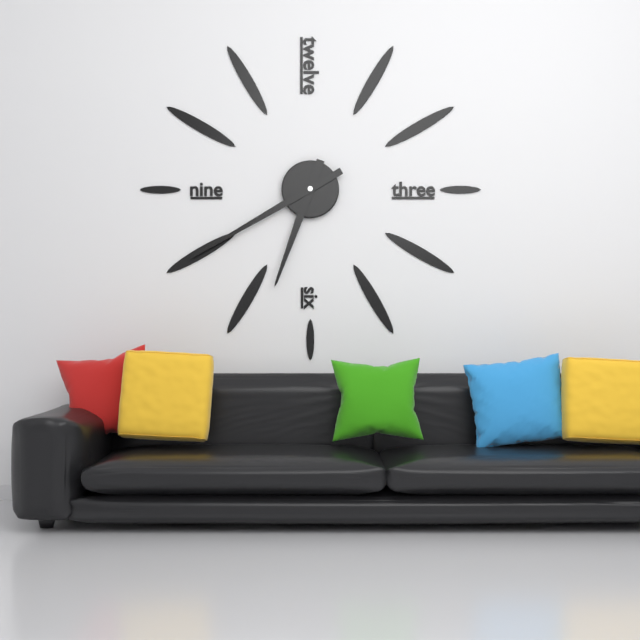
6:40
